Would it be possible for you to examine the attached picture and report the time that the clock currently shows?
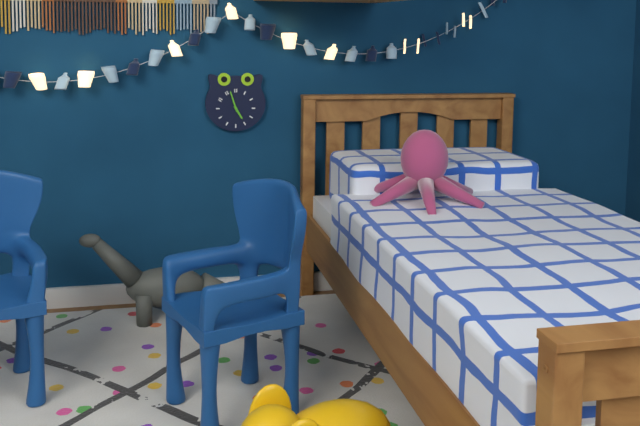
4:57
